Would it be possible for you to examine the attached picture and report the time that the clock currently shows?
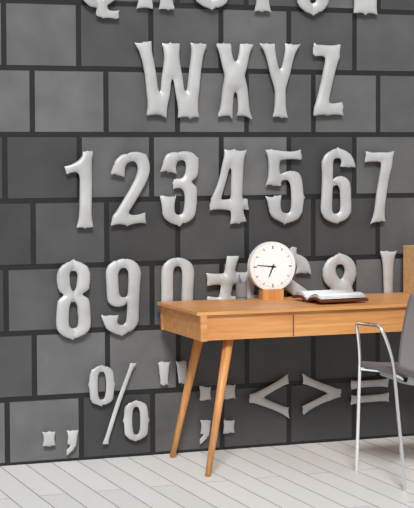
6:46
